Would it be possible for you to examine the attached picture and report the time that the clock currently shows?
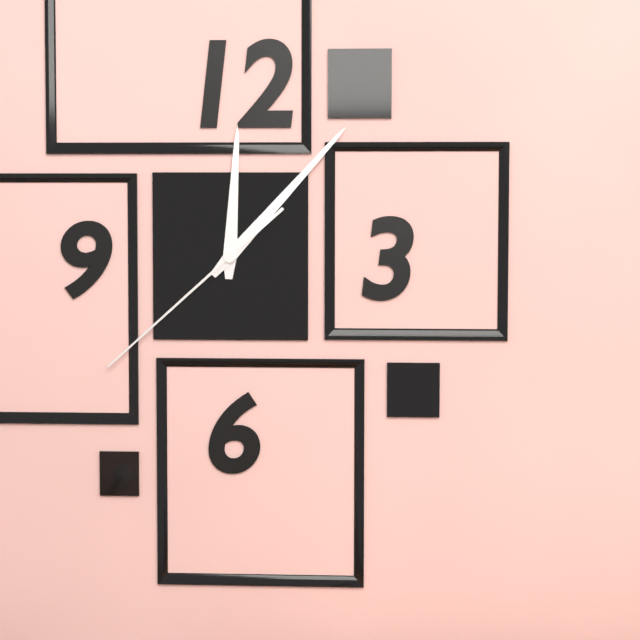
12:07:38
